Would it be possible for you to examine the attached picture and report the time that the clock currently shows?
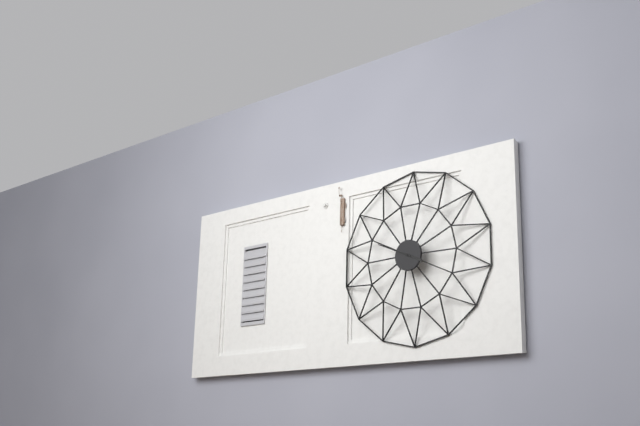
3:49
